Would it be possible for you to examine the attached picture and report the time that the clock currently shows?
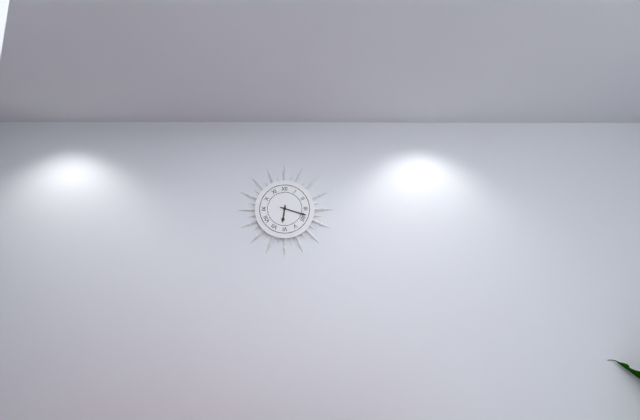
6:18
